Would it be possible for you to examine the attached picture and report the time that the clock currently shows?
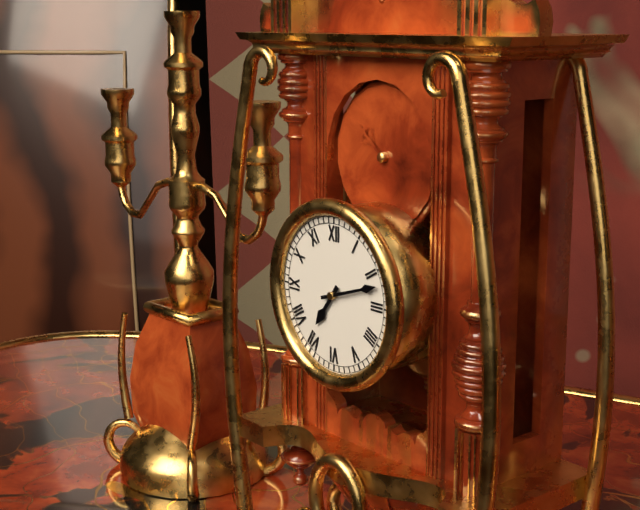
7:12
